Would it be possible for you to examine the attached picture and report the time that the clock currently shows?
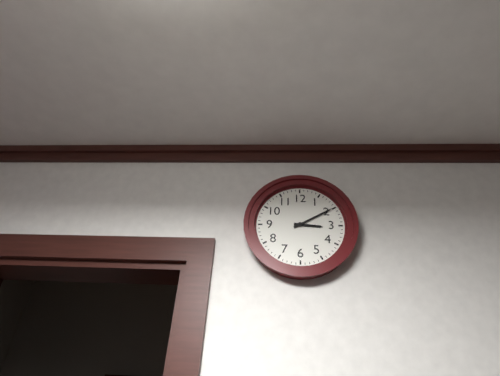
3:10
